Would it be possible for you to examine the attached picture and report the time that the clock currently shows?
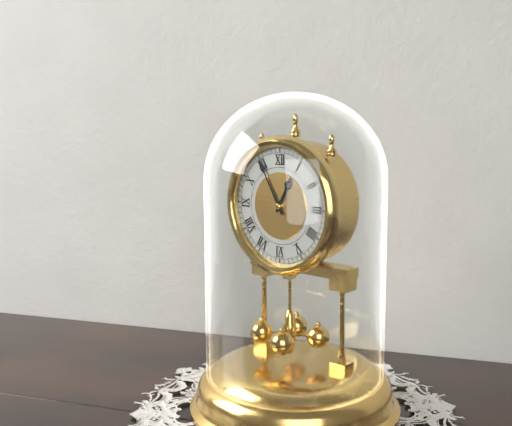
12:55
